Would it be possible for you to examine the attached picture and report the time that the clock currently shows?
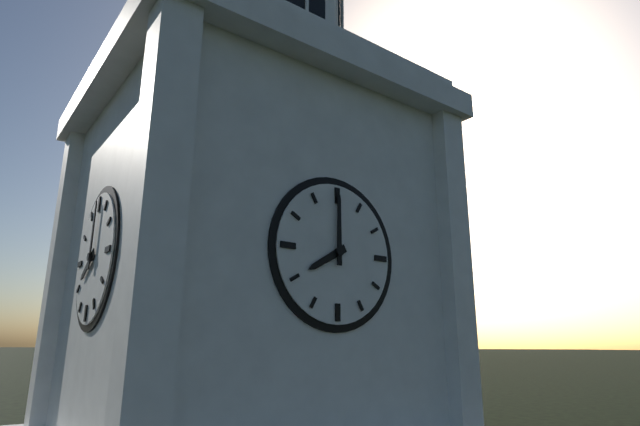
8:00
